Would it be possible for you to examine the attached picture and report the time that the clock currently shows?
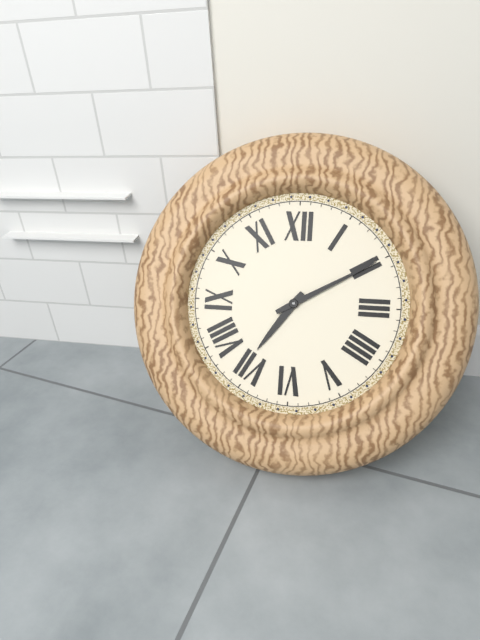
7:10
